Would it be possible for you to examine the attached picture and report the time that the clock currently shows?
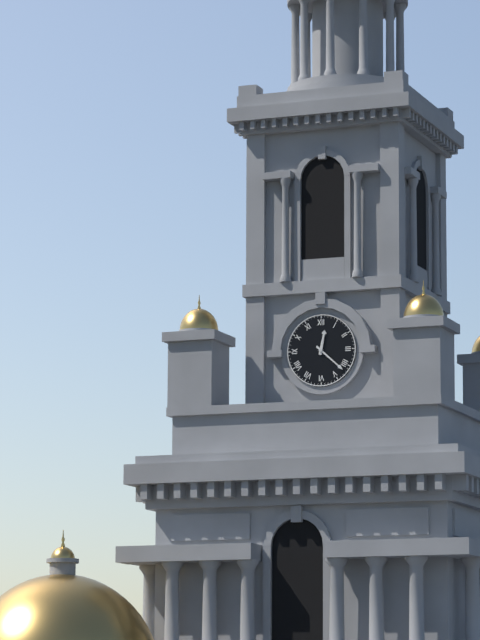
12:22
